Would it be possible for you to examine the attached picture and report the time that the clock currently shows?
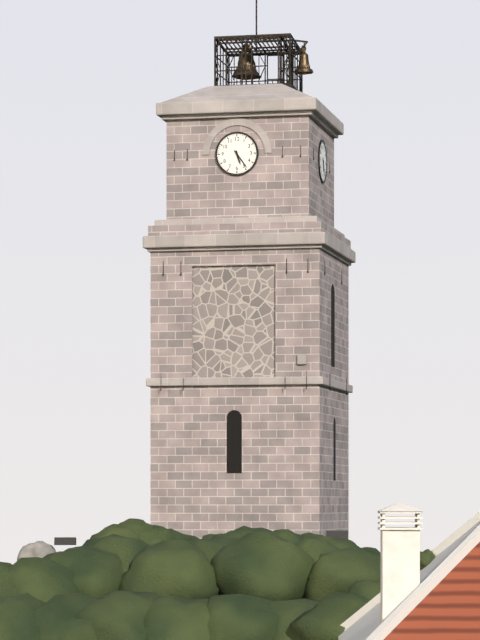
5:24
